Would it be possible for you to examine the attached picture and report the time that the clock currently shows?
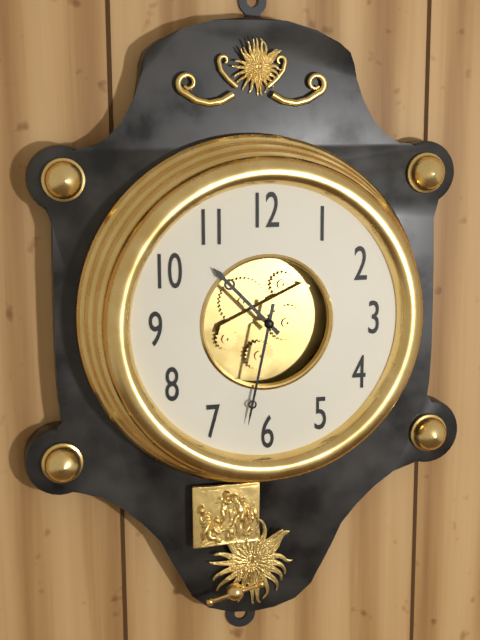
10:32
